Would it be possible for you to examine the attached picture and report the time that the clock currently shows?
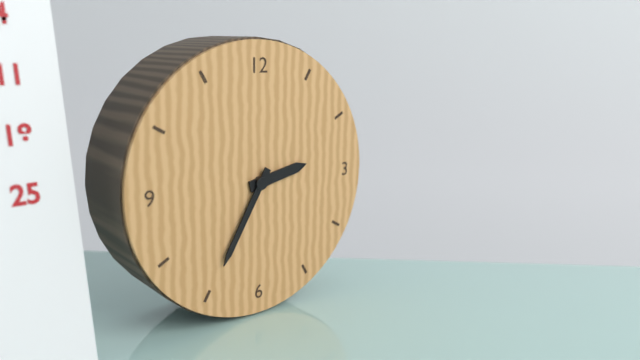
2:35
